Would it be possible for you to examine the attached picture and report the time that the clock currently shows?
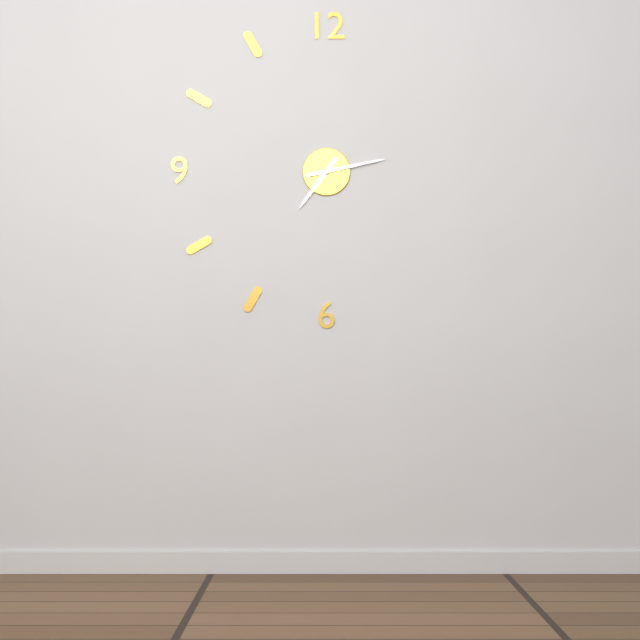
7:13
